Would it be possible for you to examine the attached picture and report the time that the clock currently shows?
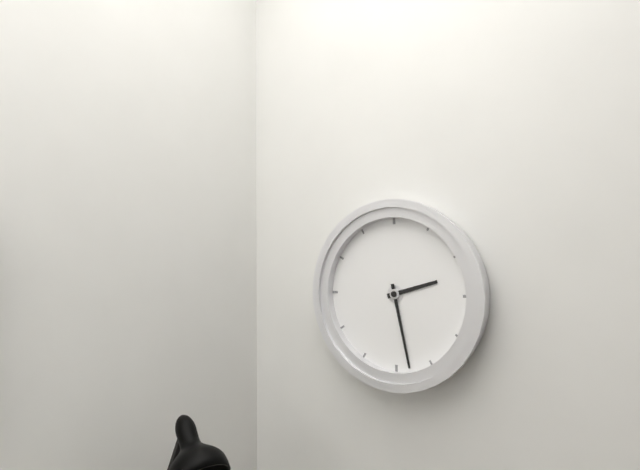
2:28
